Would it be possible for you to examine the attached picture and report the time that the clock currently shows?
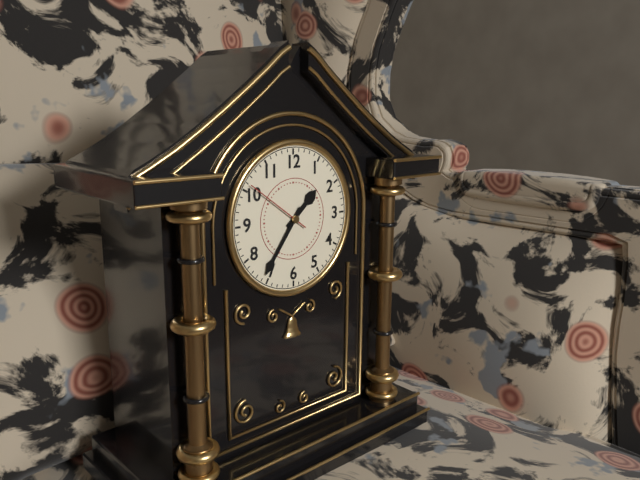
1:36:51
